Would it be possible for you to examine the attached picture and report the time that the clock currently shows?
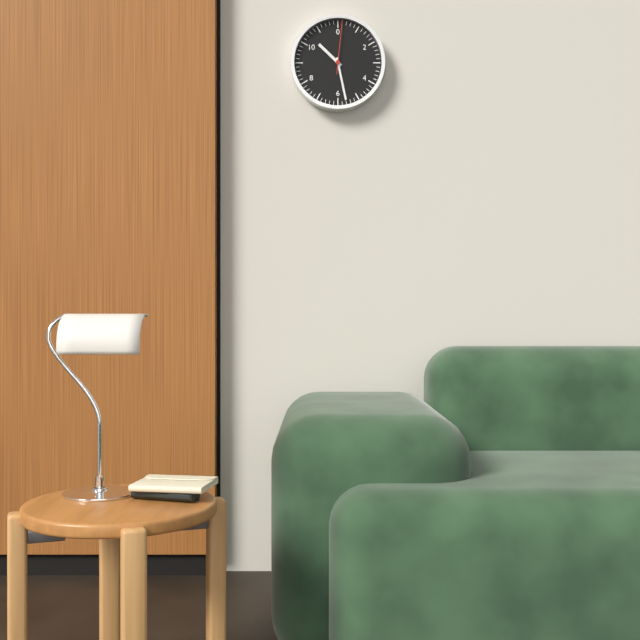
10:28:01
